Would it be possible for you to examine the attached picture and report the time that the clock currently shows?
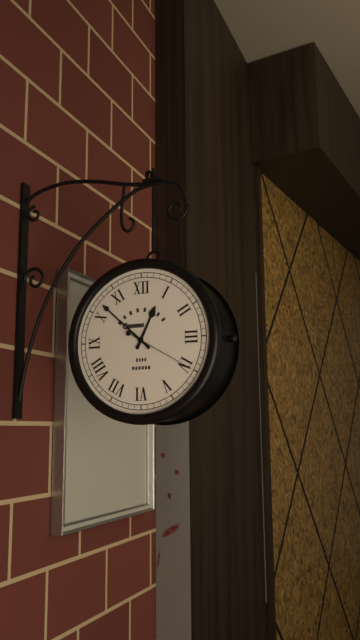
12:52:20
